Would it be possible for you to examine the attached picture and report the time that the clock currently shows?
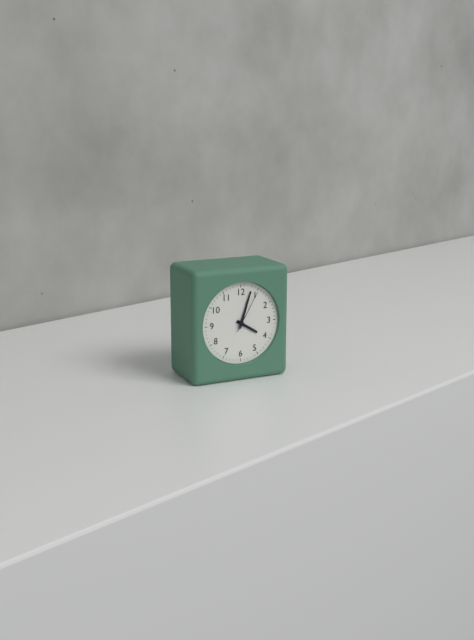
4:03
